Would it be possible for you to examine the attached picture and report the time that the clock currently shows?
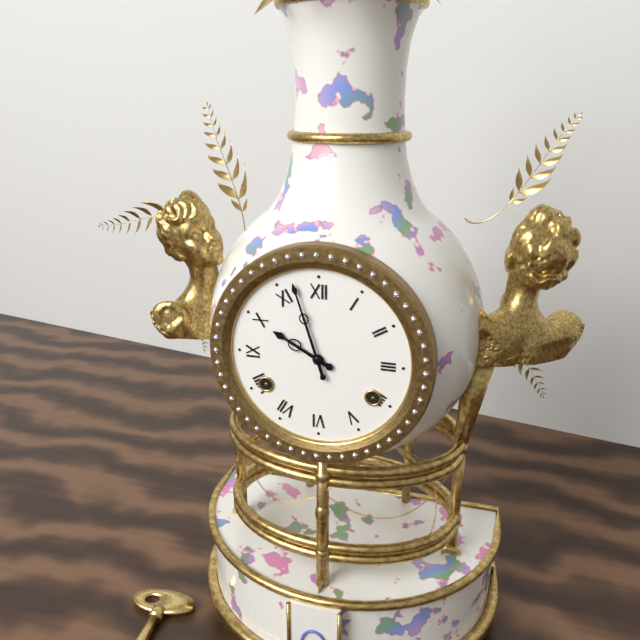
9:57
